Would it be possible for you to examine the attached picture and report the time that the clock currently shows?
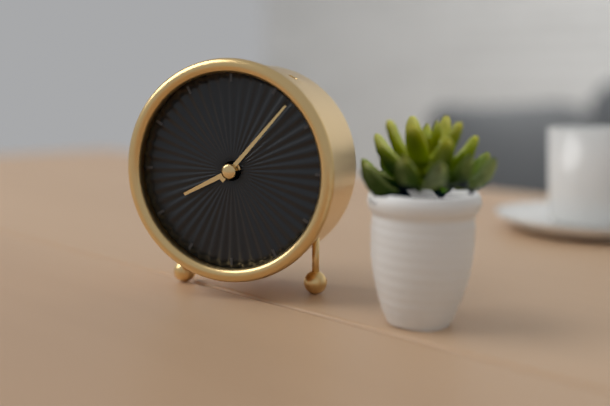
8:07
